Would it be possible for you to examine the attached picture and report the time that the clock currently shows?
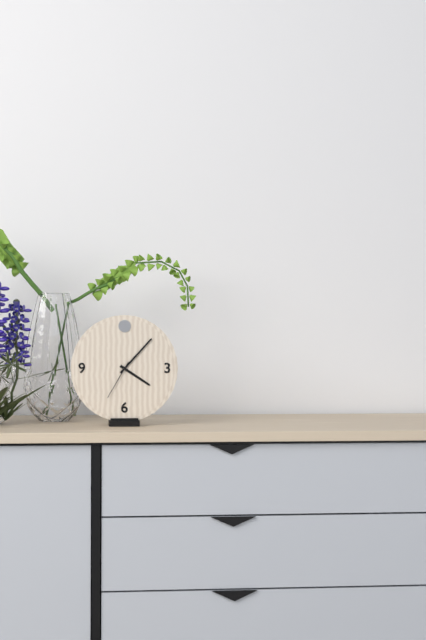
4:07
